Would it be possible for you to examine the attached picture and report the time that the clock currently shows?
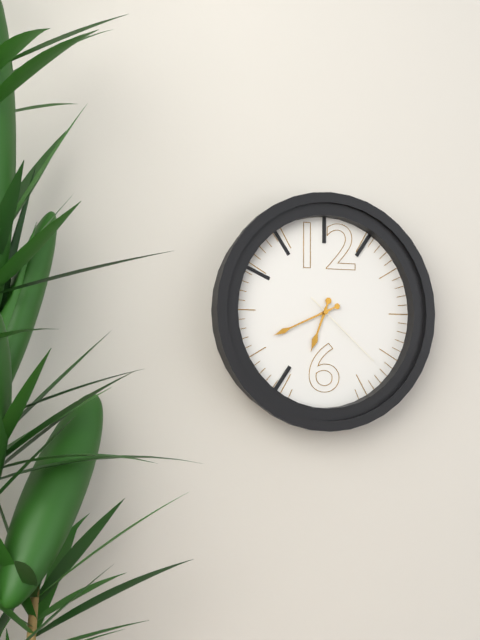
6:41:22
